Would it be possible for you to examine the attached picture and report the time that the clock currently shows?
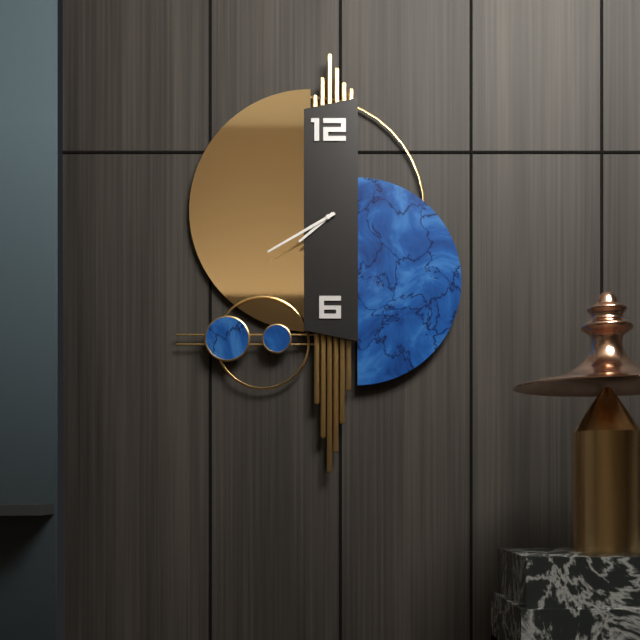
7:40
